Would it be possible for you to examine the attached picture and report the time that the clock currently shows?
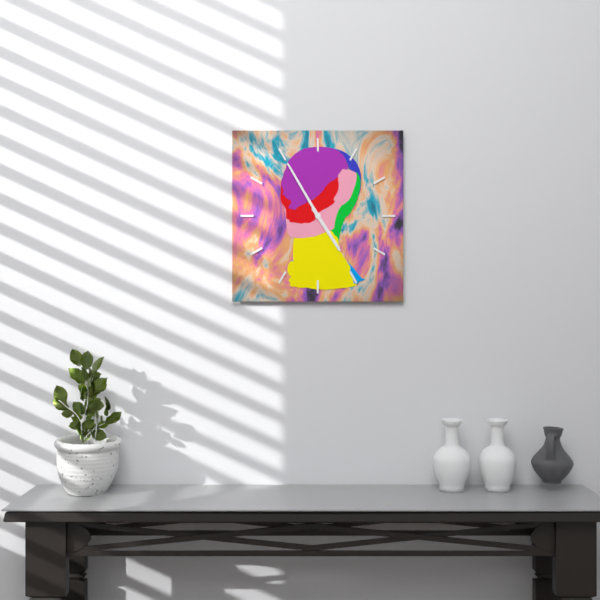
4:55
